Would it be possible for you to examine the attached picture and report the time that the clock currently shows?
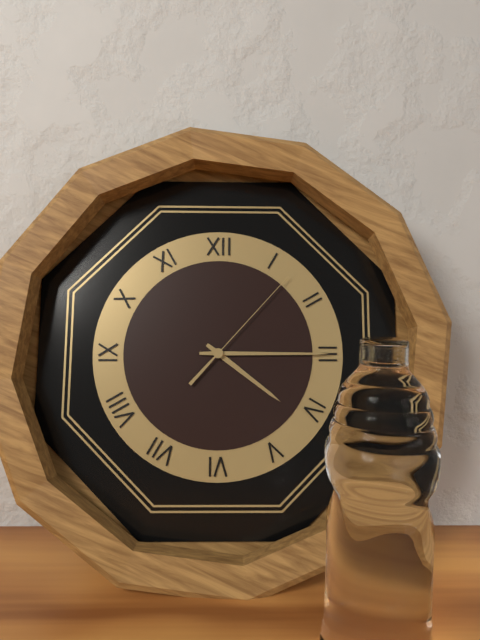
4:15:07
